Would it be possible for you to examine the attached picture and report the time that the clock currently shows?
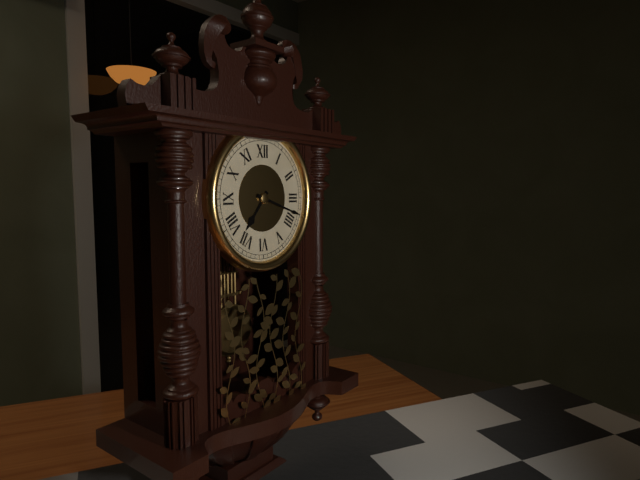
7:18
